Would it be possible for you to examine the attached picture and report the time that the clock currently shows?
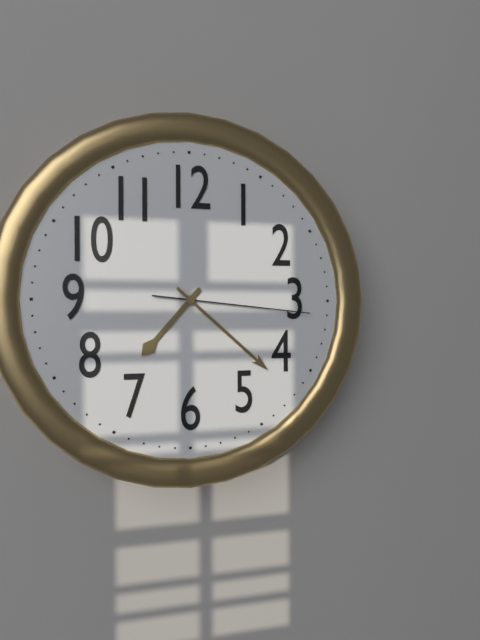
7:22:16
